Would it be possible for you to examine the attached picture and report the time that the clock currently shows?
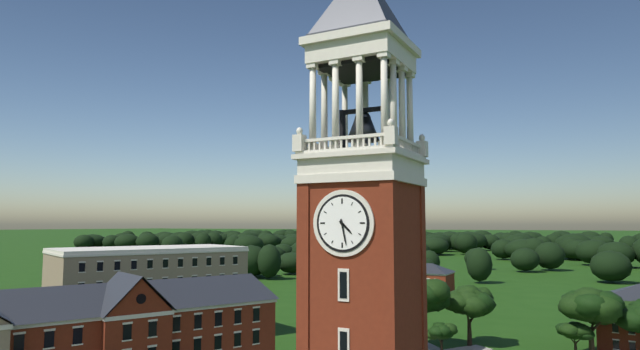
4:28
